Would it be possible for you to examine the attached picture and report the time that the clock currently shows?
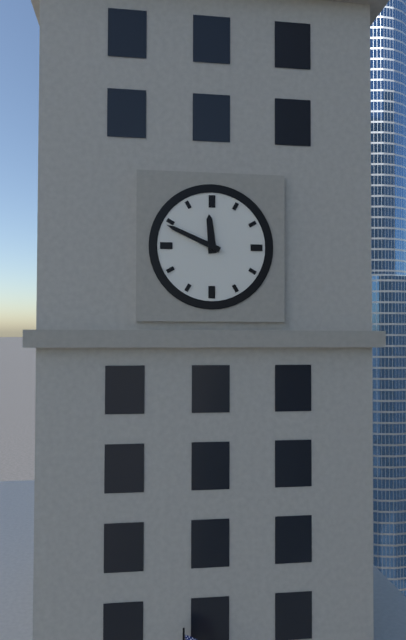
11:49
